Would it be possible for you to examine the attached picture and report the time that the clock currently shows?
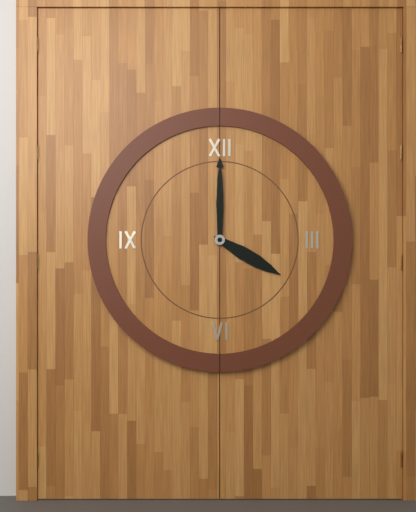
4:00
